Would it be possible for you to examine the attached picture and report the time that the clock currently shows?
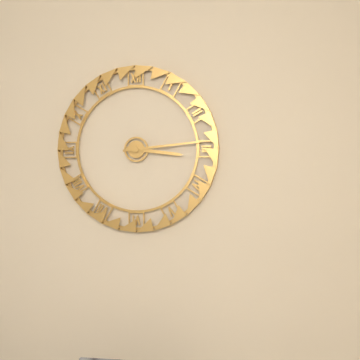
3:14
